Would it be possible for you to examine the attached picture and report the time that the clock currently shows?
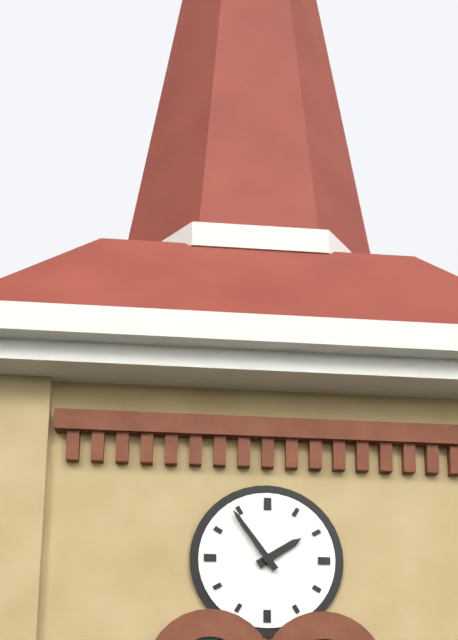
1:54
